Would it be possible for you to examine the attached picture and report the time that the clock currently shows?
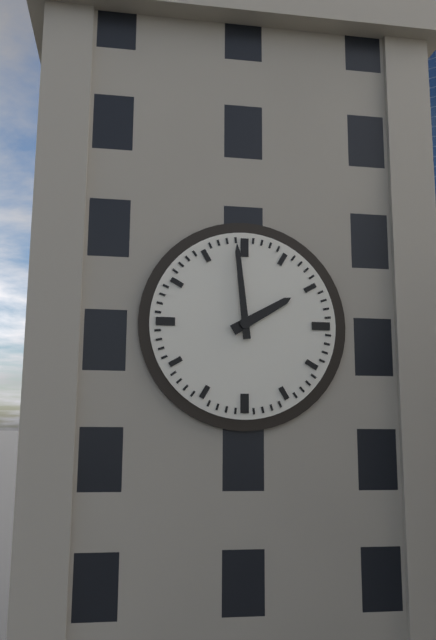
1:59
